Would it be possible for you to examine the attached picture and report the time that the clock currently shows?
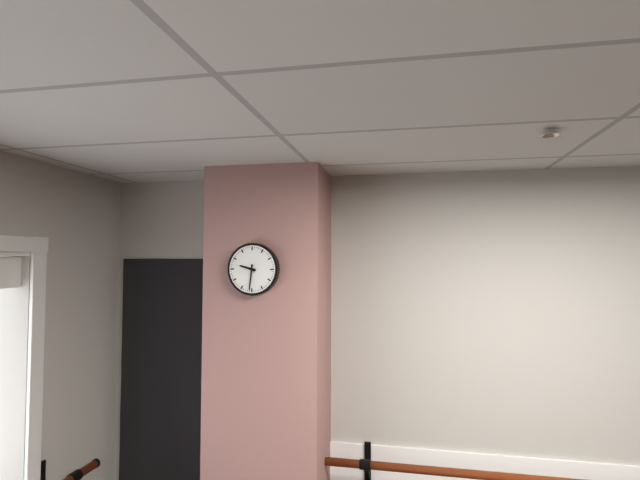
9:31
